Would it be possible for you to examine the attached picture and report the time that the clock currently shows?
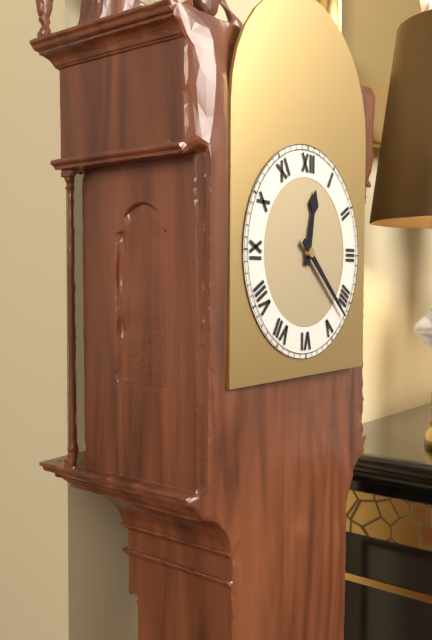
12:22
